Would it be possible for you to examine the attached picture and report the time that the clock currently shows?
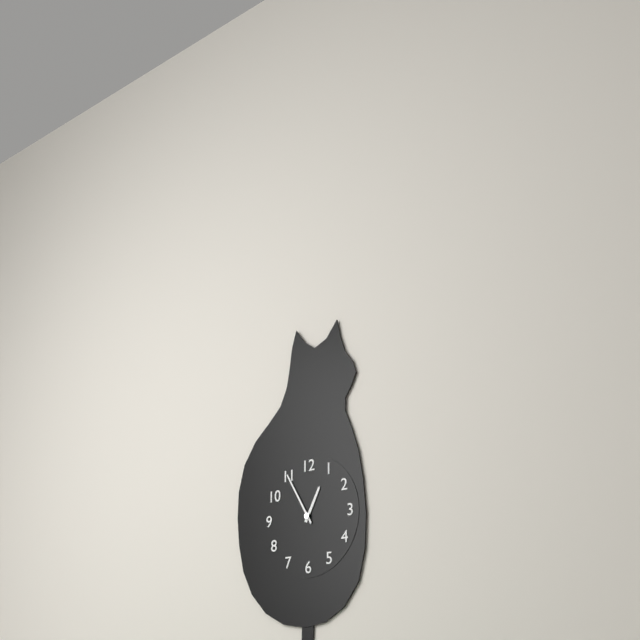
12:55
